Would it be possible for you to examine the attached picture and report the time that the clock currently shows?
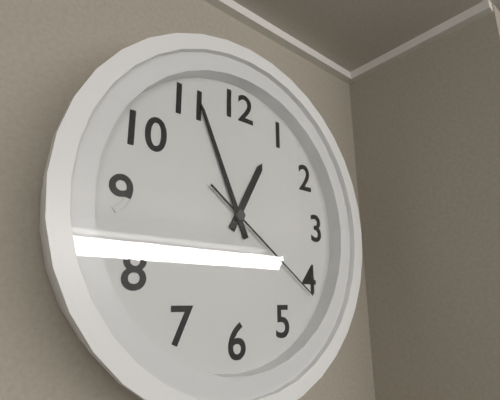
12:56:21
